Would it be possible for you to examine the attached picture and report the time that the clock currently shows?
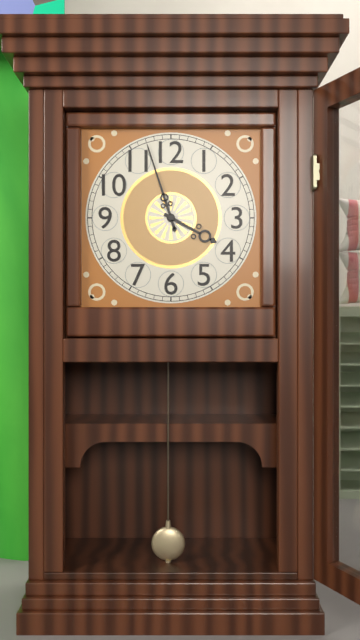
3:57
